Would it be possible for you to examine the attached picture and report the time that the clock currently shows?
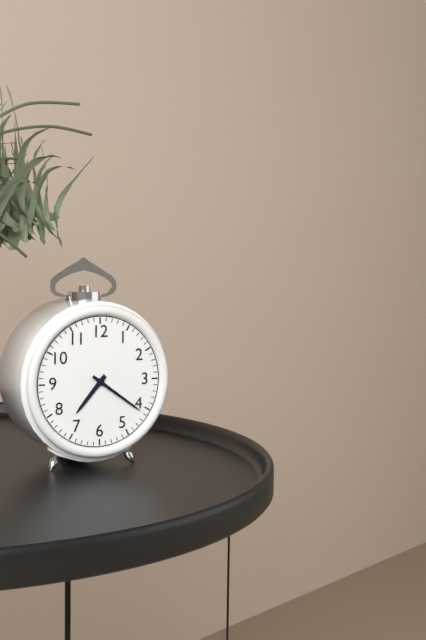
7:21
